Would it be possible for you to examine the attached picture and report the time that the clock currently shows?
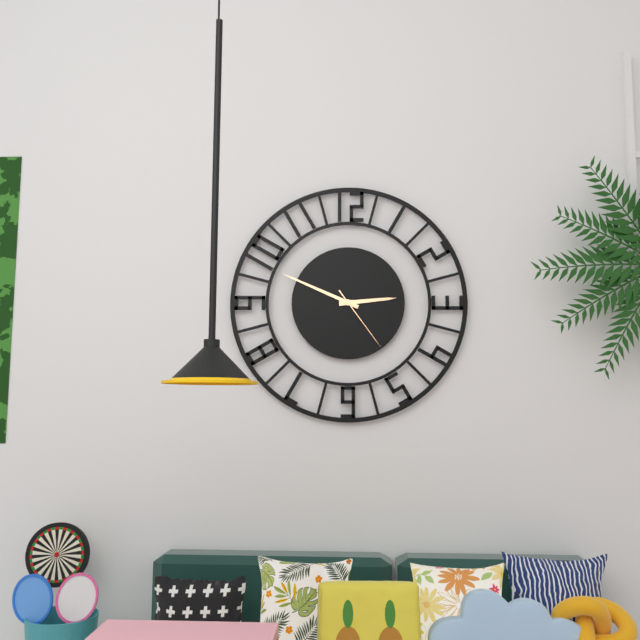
2:49:24
